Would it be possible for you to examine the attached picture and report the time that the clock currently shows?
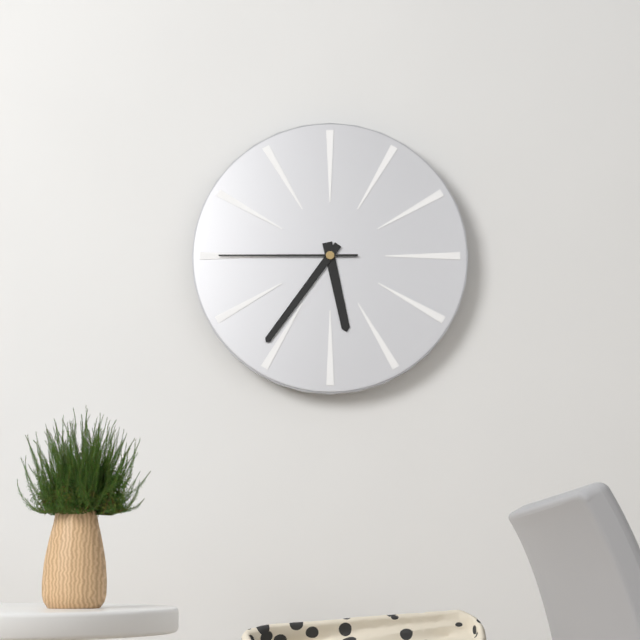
5:36:45
